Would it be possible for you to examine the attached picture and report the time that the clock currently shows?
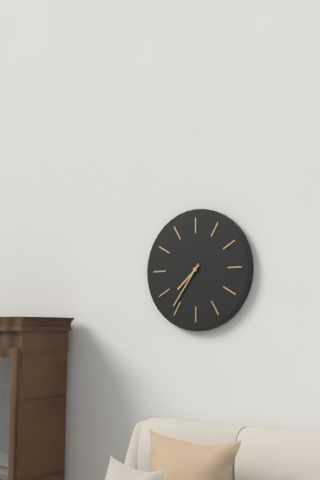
7:36
